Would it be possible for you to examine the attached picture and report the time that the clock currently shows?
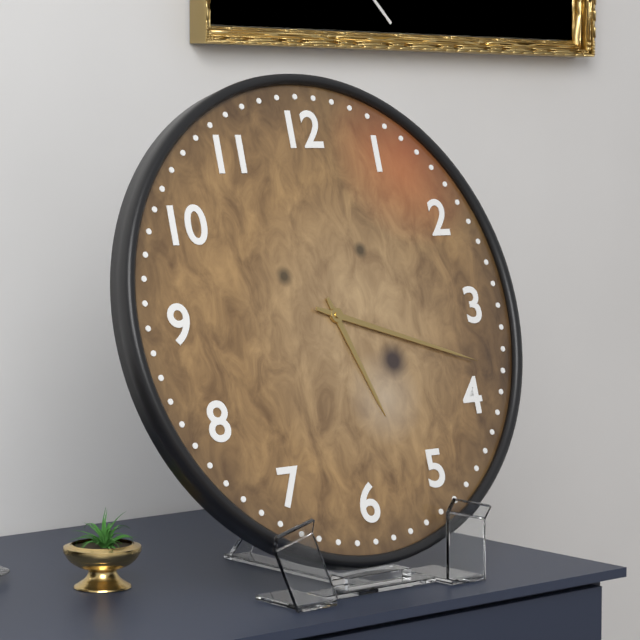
5:18
